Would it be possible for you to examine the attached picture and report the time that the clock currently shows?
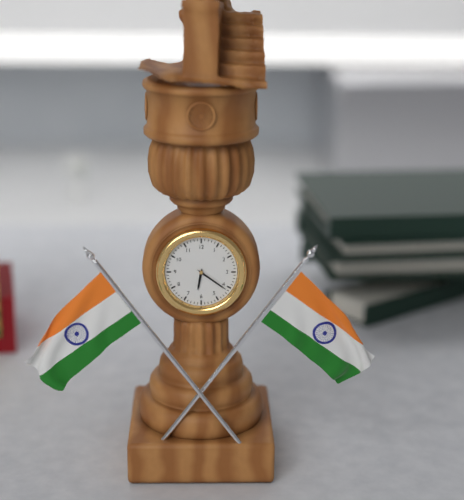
6:21
